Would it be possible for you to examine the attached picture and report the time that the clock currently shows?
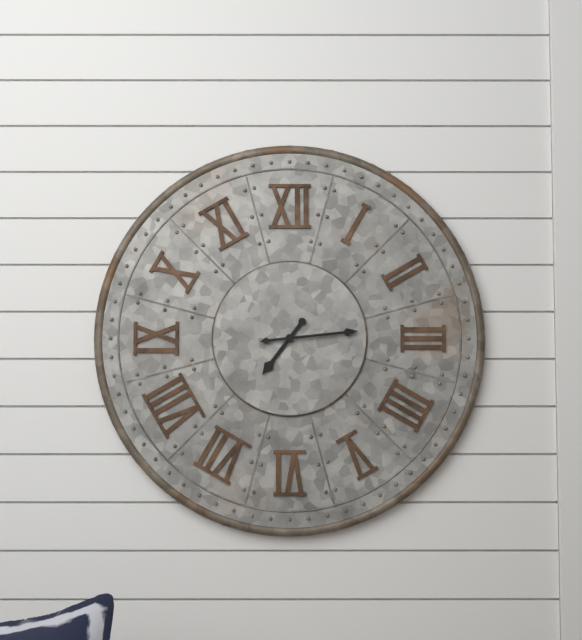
7:14
